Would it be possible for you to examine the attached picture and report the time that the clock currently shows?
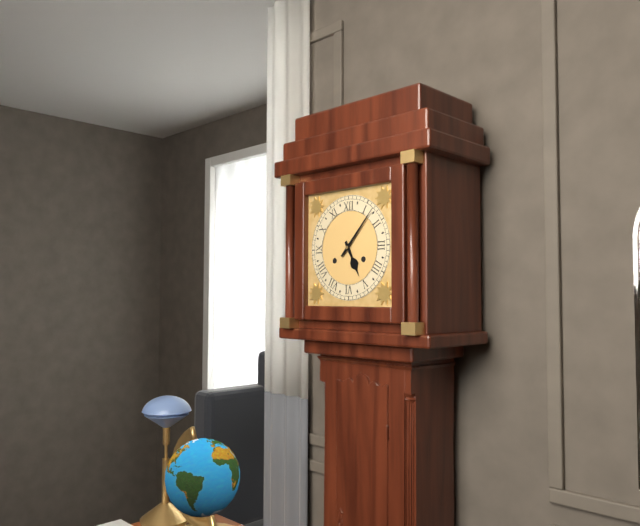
5:07
